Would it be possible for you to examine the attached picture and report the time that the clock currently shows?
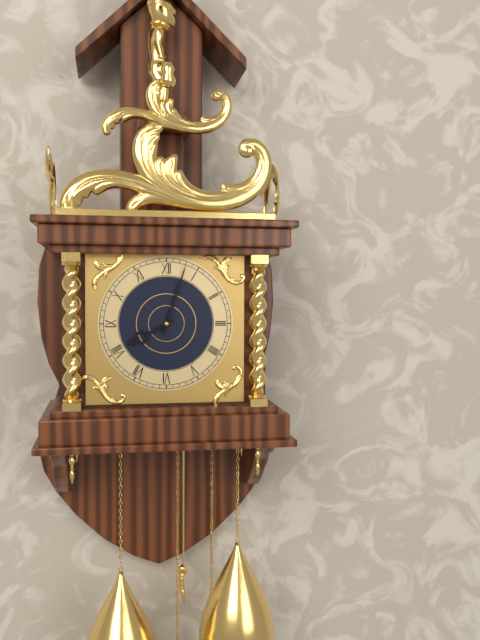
8:03
